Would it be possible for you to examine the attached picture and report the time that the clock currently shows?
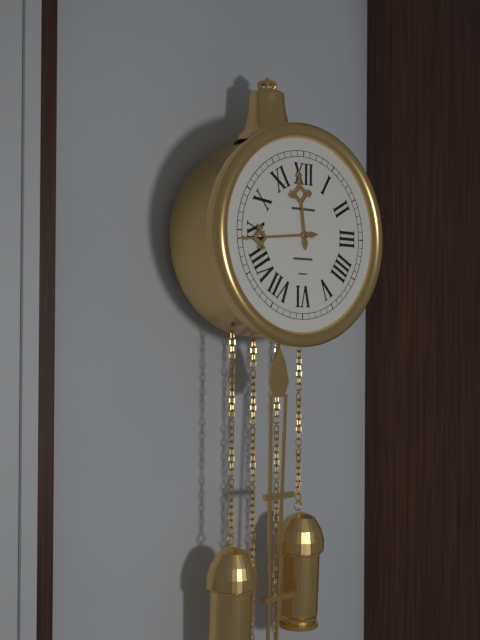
11:44
